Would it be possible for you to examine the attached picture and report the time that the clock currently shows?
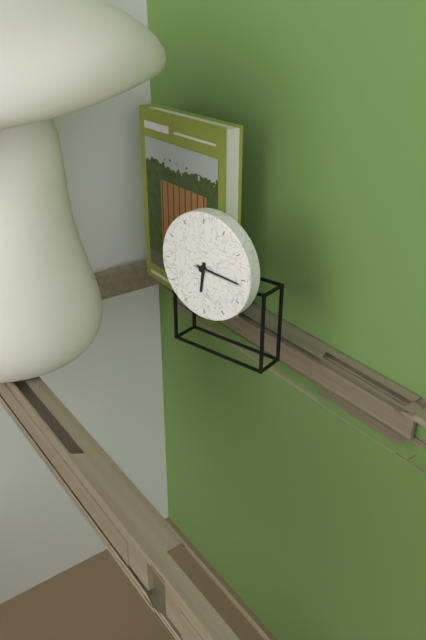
6:16
